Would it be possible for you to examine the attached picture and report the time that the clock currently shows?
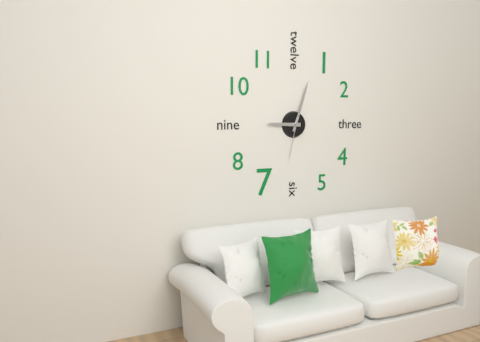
9:03
